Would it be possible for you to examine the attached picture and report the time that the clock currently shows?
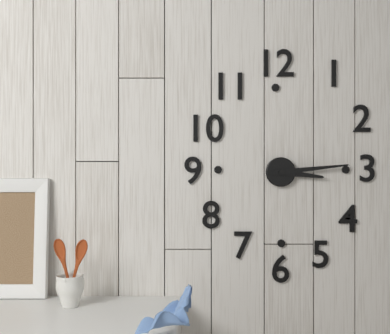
3:14
